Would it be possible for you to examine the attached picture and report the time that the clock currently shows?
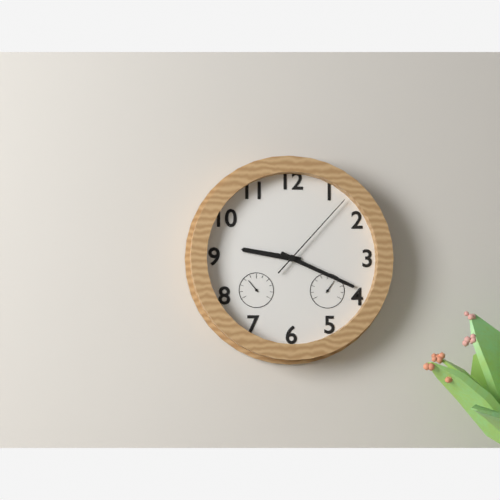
9:19:07
